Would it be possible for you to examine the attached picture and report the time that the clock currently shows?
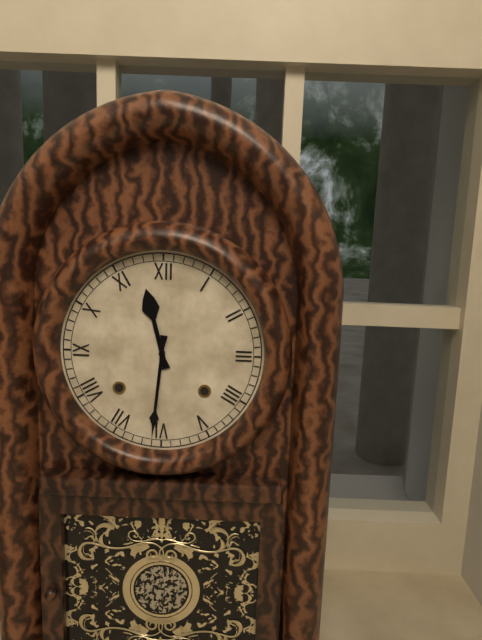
11:31
